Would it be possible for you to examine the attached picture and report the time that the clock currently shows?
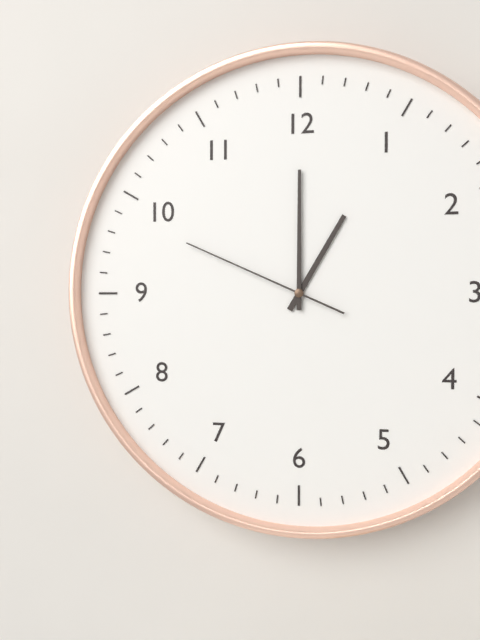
1:00:49
